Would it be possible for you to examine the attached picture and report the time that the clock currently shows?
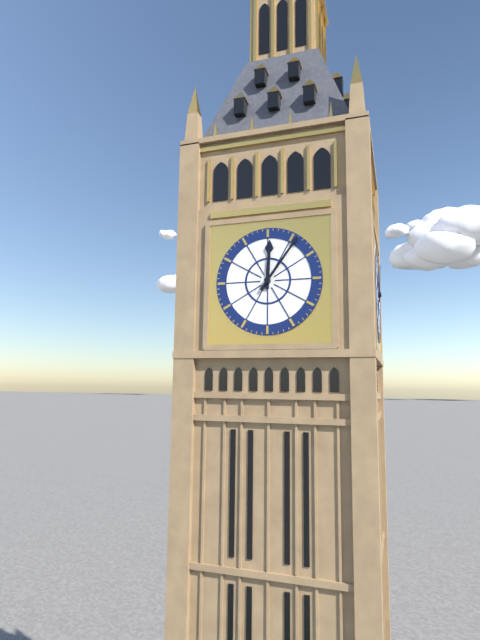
12:06
